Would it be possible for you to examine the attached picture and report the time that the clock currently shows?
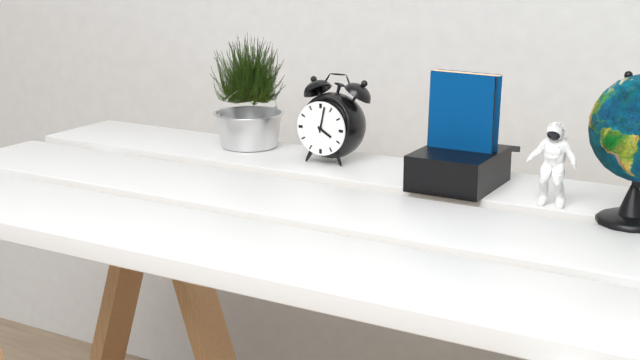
4:02
